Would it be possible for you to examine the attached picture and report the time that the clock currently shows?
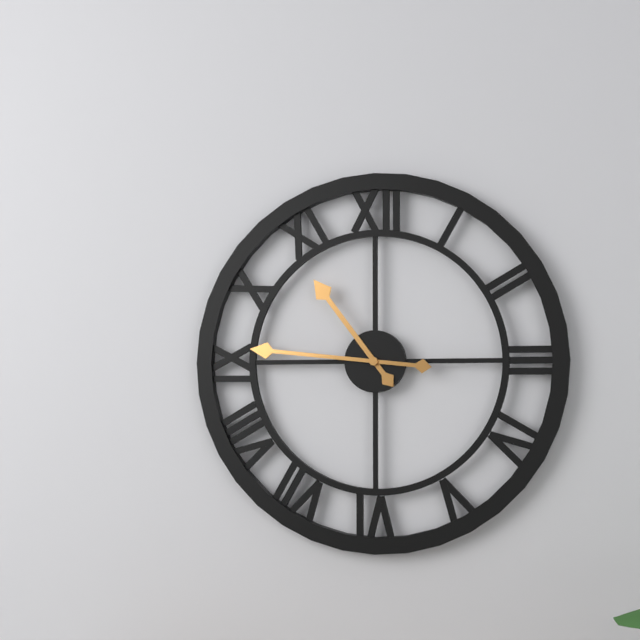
10:46
